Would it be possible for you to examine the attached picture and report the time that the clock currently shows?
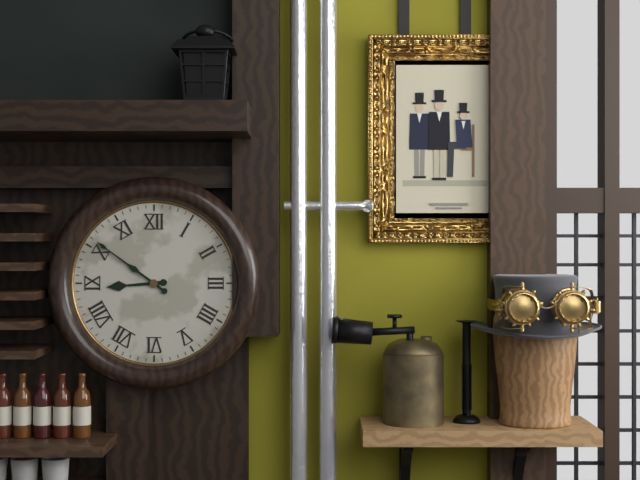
8:51
